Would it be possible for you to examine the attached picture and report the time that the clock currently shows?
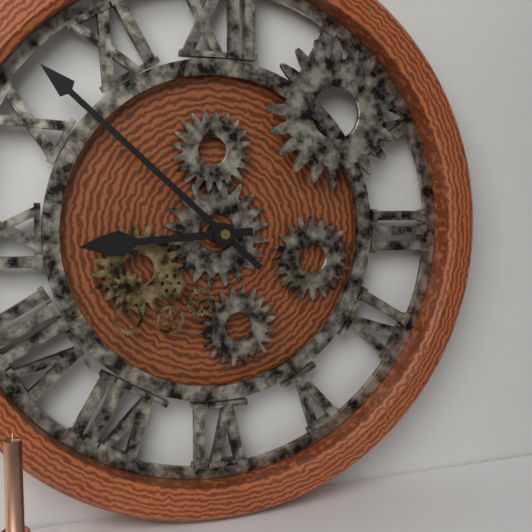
8:52
